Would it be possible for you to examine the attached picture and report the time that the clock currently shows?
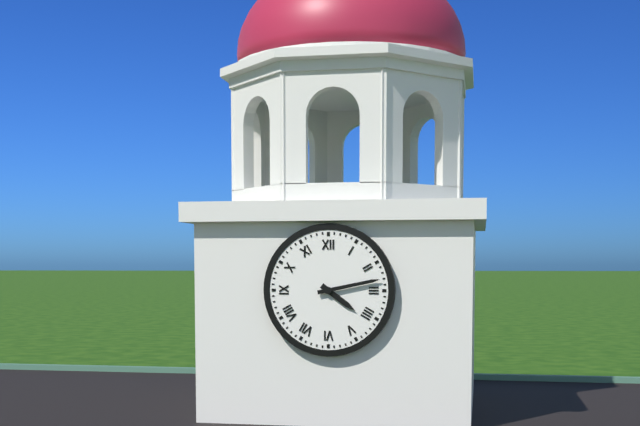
4:13
